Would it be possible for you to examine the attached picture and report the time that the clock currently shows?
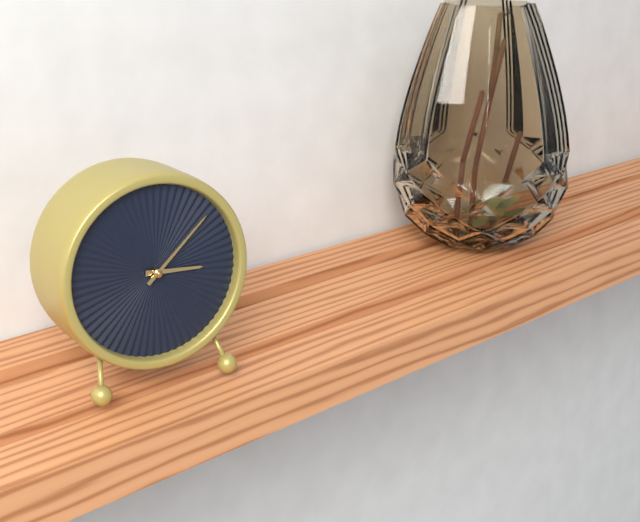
3:08
